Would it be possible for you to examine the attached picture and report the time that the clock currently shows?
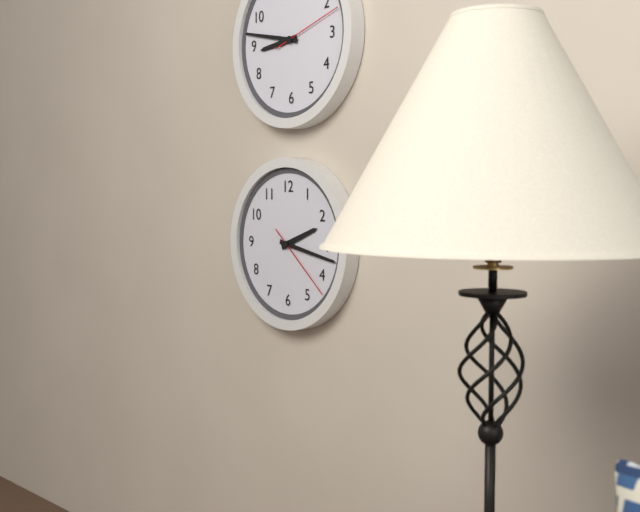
2:17:22
